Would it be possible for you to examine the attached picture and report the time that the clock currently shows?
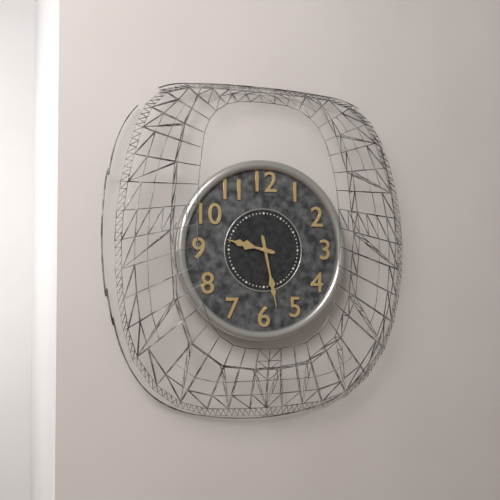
9:28
